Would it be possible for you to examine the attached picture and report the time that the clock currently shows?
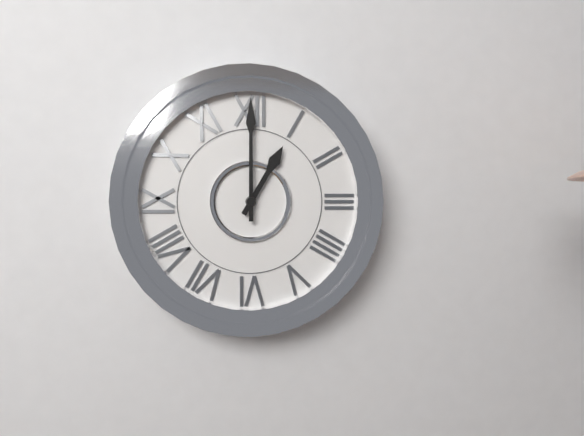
1:00
